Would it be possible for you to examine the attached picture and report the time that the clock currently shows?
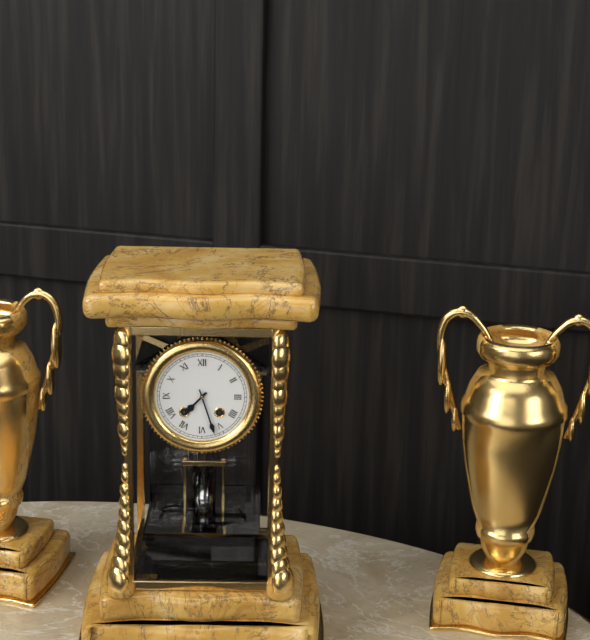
7:27
